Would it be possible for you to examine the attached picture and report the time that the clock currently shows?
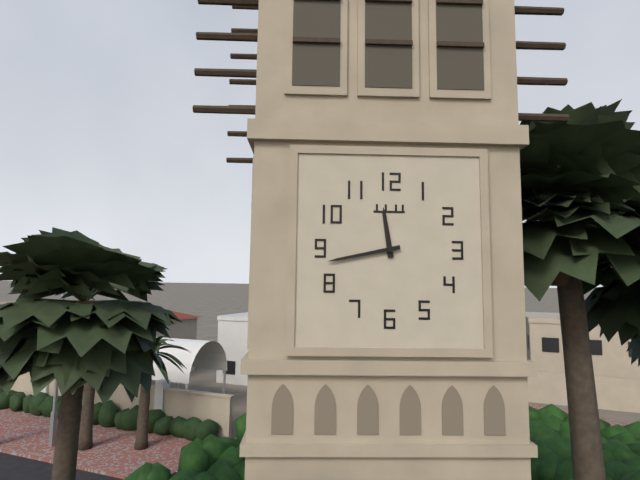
11:43
